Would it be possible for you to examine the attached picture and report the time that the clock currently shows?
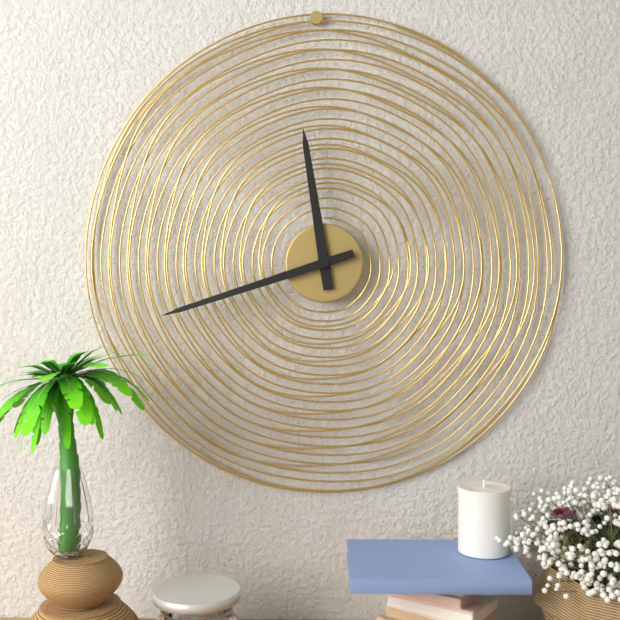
11:42
